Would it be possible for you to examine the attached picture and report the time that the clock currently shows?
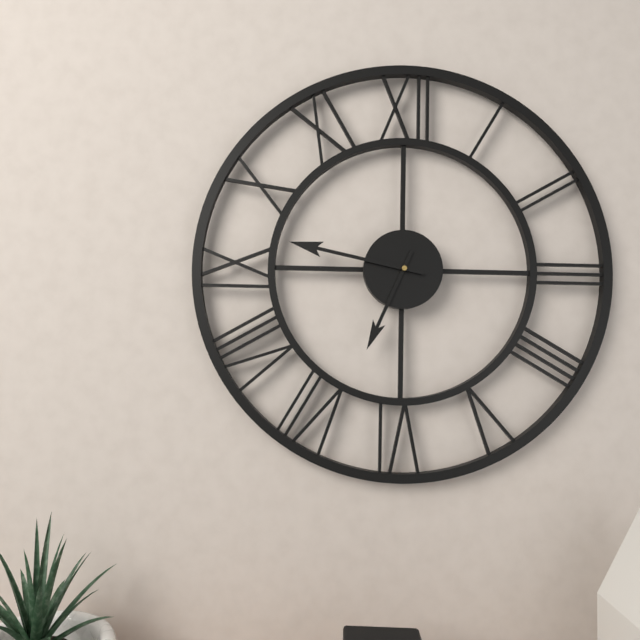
6:47
